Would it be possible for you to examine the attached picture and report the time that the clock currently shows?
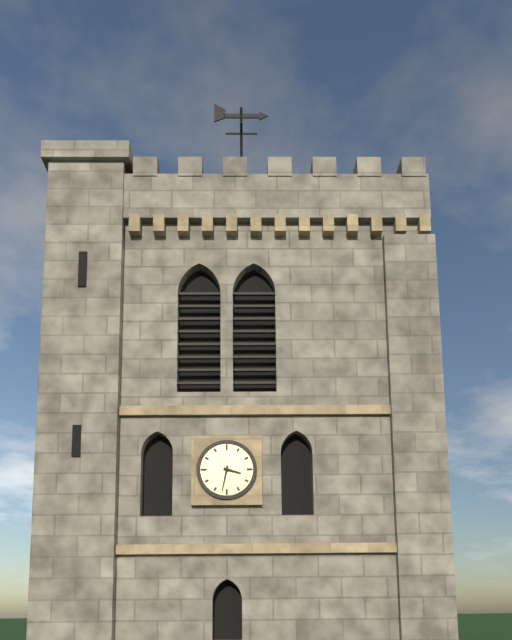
3:32
